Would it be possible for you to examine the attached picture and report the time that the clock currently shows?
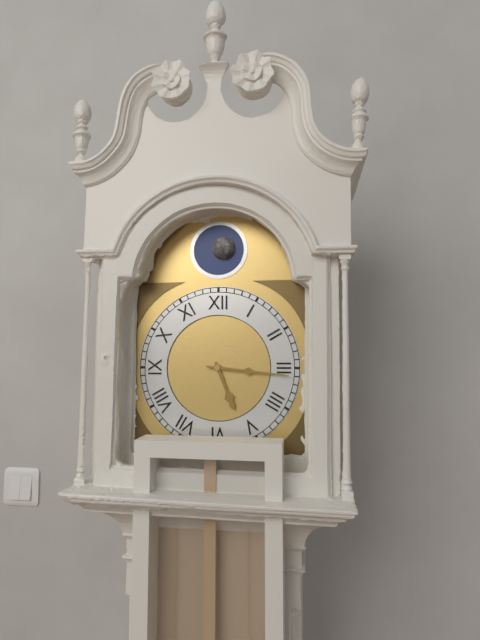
5:16
